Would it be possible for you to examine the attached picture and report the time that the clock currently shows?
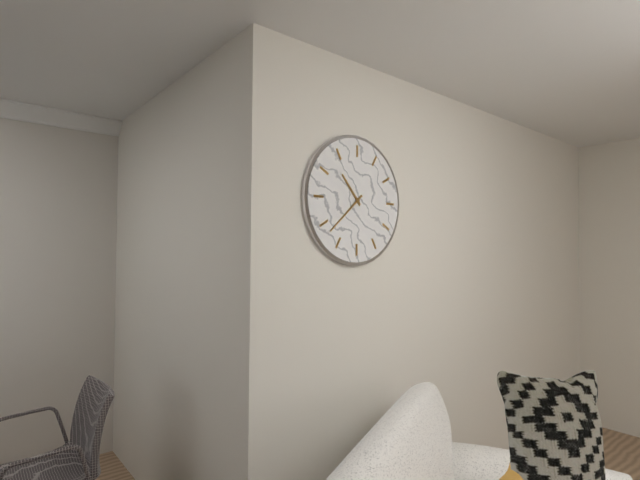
10:38
